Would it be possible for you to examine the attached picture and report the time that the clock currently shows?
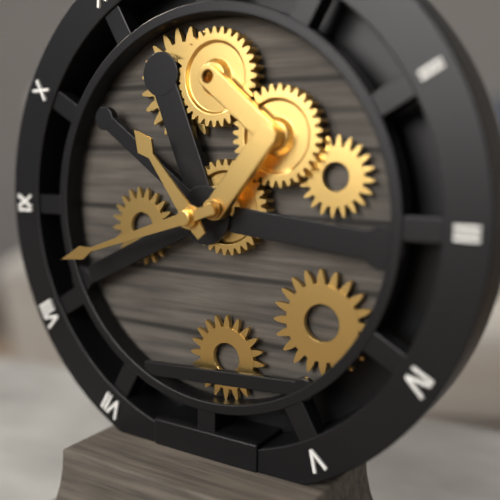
10:42
